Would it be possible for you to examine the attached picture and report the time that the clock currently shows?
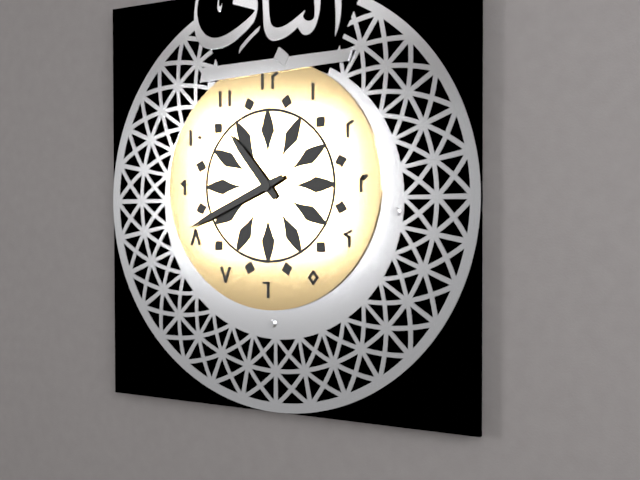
10:41
